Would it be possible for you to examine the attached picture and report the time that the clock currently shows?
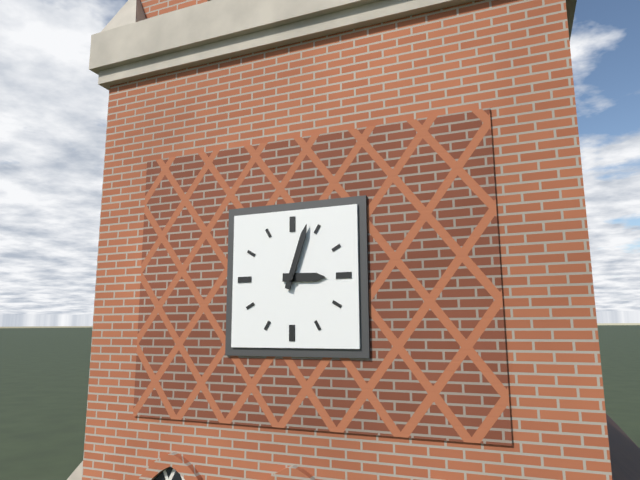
3:03
